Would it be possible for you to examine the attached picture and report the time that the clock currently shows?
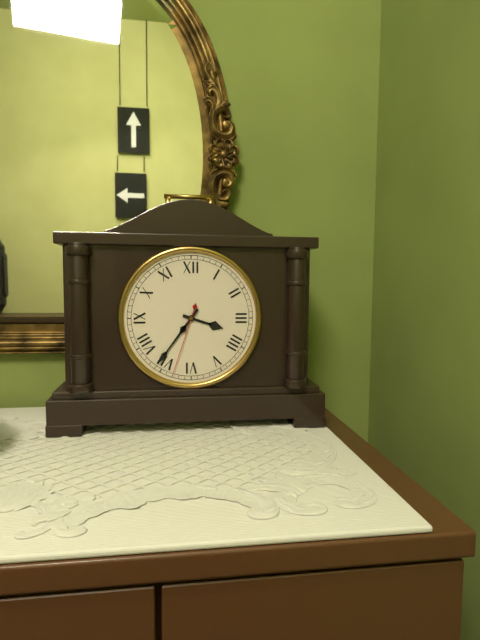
3:36:33
